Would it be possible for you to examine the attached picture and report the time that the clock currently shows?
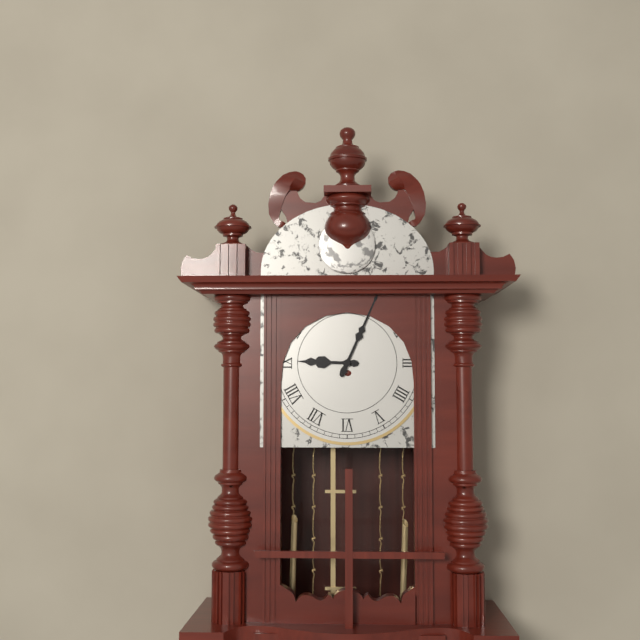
9:04
